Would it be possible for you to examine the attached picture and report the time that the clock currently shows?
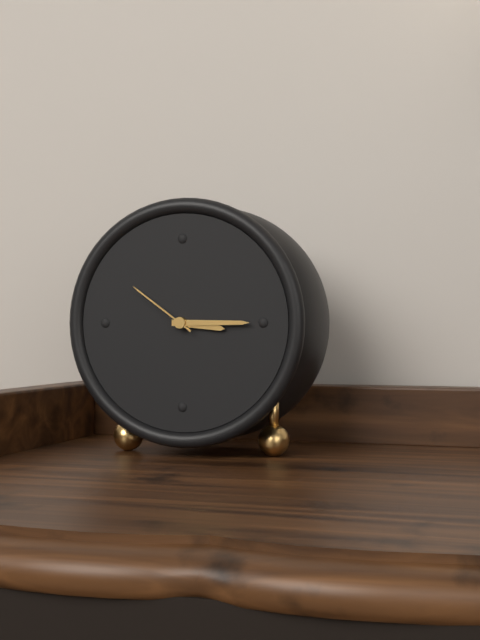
3:15:51
